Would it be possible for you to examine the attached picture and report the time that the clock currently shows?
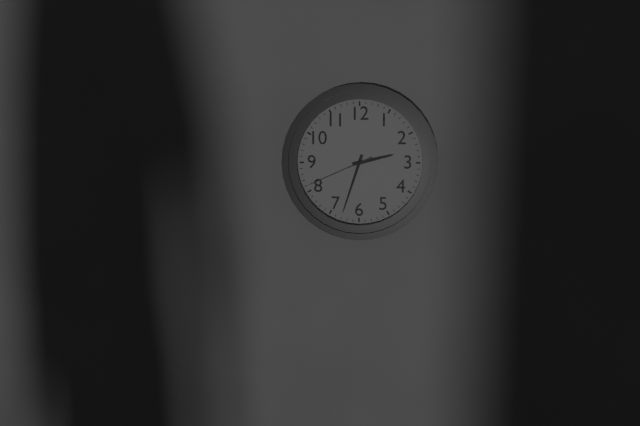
2:33:41
